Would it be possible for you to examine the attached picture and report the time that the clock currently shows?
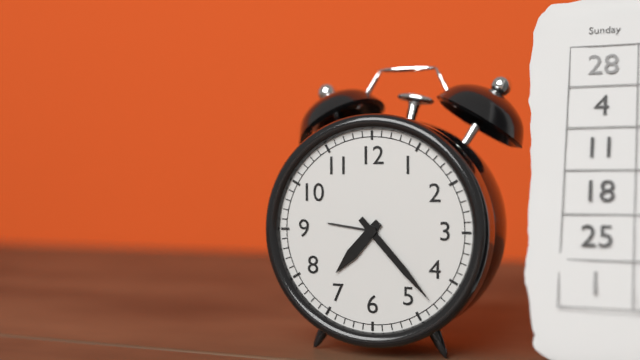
7:23
